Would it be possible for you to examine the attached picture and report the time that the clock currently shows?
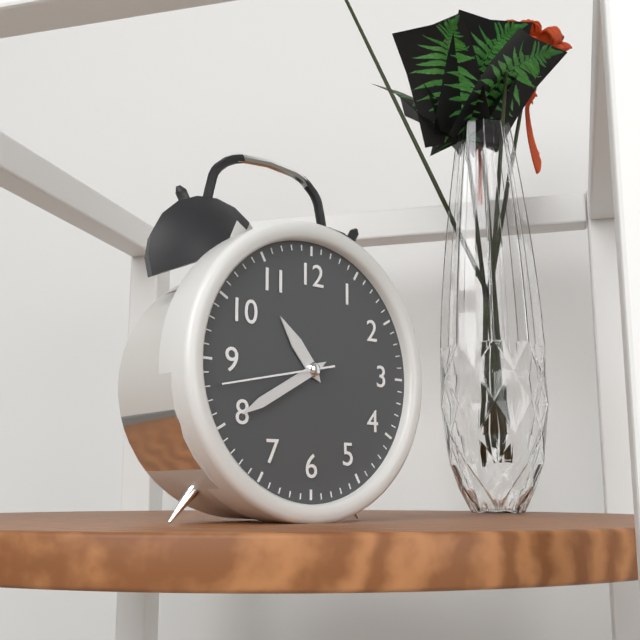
10:40:43
